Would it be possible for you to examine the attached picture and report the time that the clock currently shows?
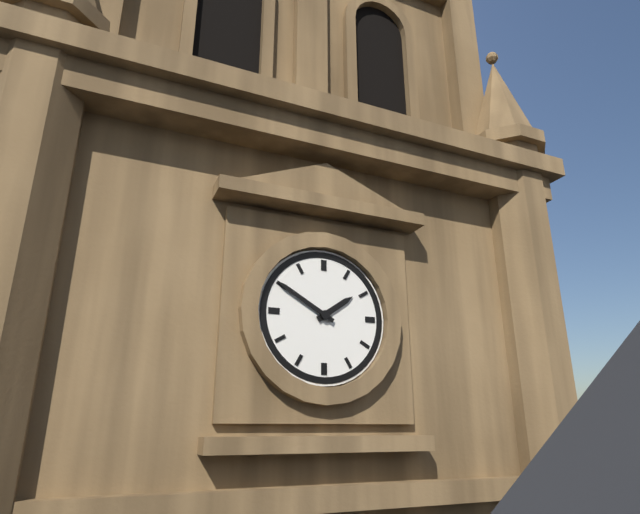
1:50
